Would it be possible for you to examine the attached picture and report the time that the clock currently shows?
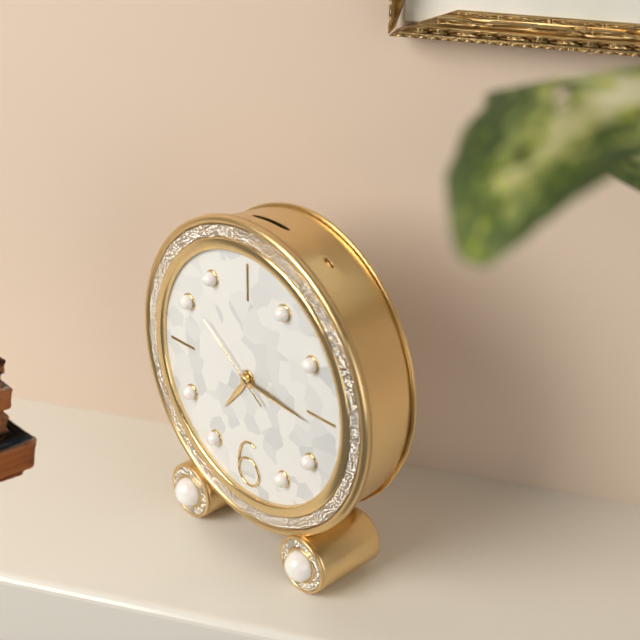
7:16:51
